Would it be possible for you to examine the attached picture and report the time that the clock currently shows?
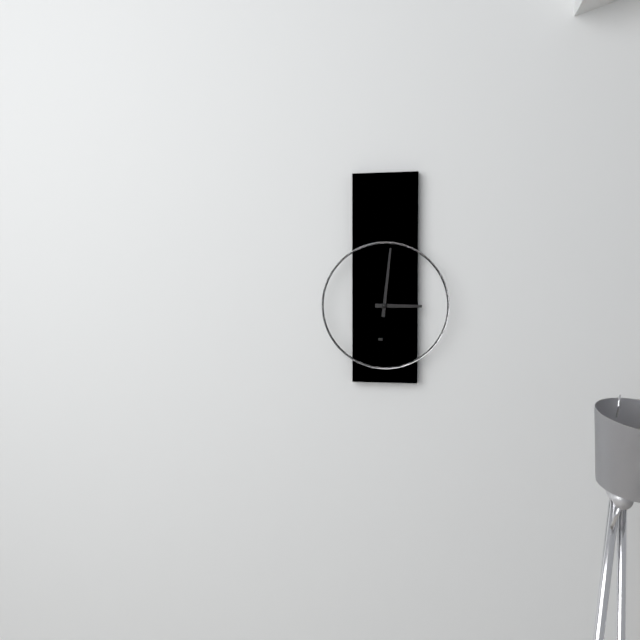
3:01
